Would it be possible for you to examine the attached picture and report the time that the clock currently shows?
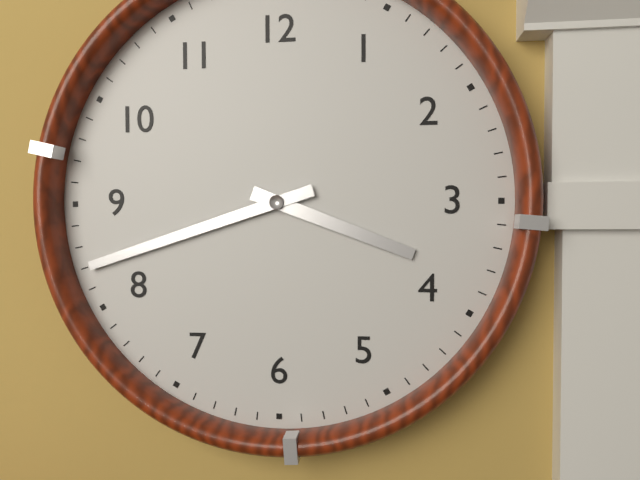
3:42
